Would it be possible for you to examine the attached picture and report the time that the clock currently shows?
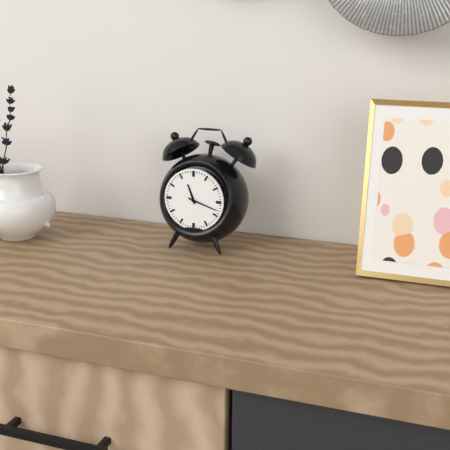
11:18
